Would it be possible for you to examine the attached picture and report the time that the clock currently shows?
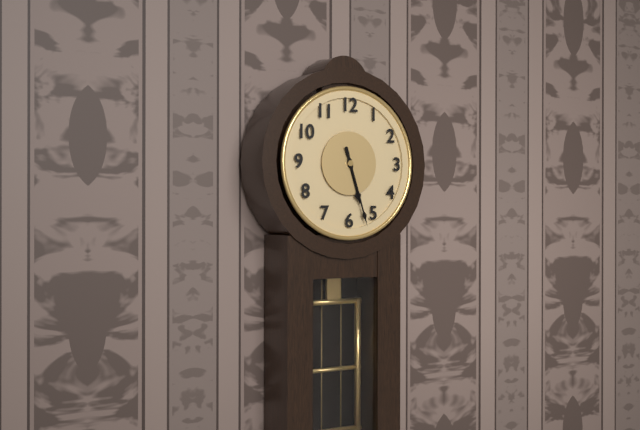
5:27
